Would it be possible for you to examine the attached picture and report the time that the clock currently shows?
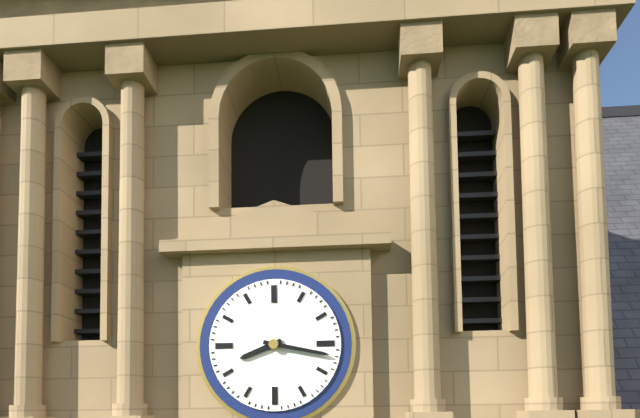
8:17
